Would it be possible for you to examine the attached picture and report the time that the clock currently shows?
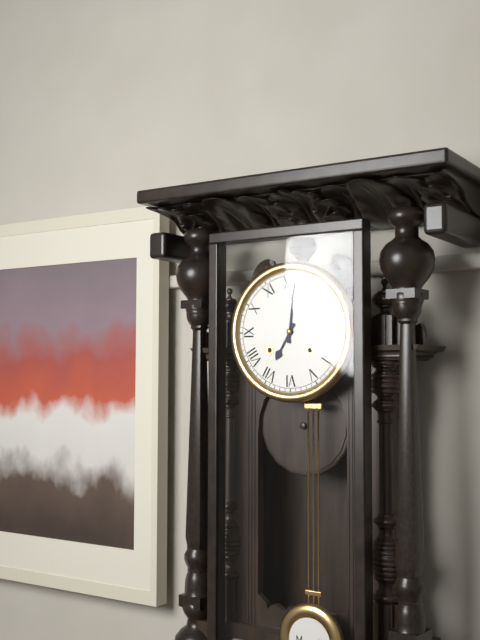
7:01
